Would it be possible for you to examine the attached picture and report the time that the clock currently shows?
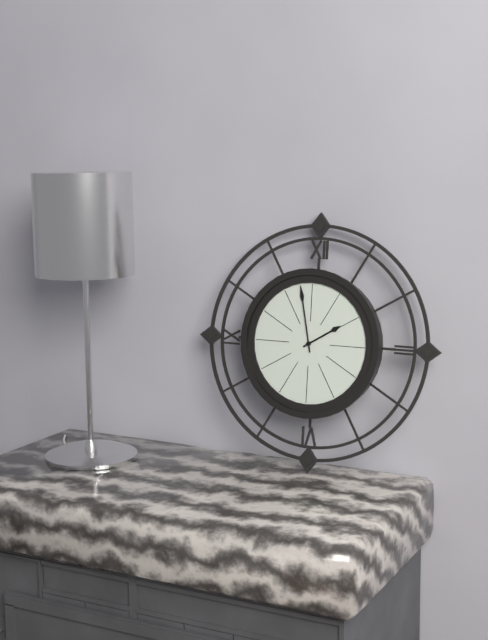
1:58
